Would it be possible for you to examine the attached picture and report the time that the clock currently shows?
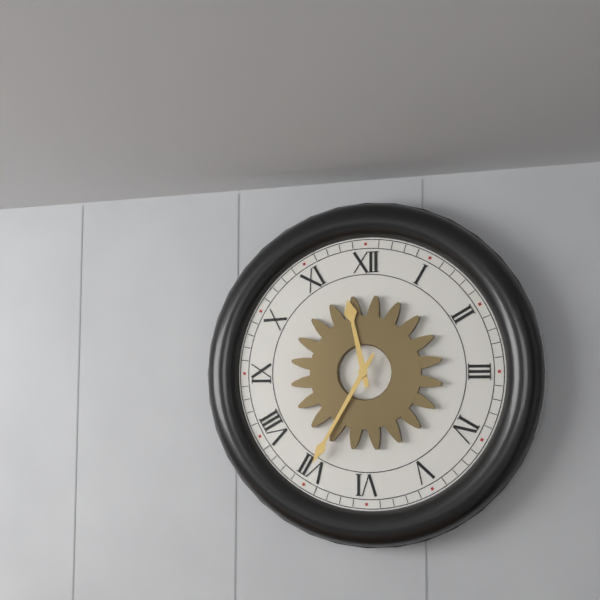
11:35
